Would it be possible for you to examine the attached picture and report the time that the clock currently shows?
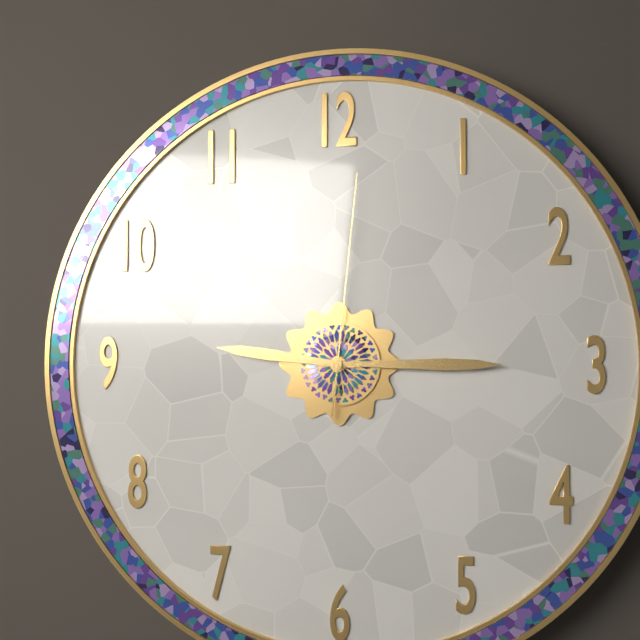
9:15:01
